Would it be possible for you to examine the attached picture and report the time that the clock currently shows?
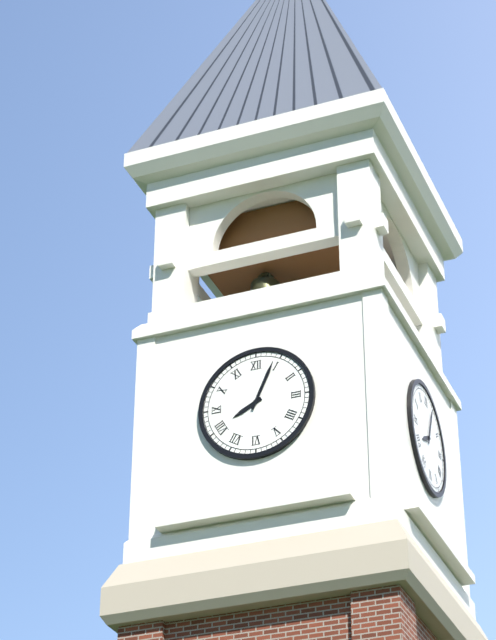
8:04
